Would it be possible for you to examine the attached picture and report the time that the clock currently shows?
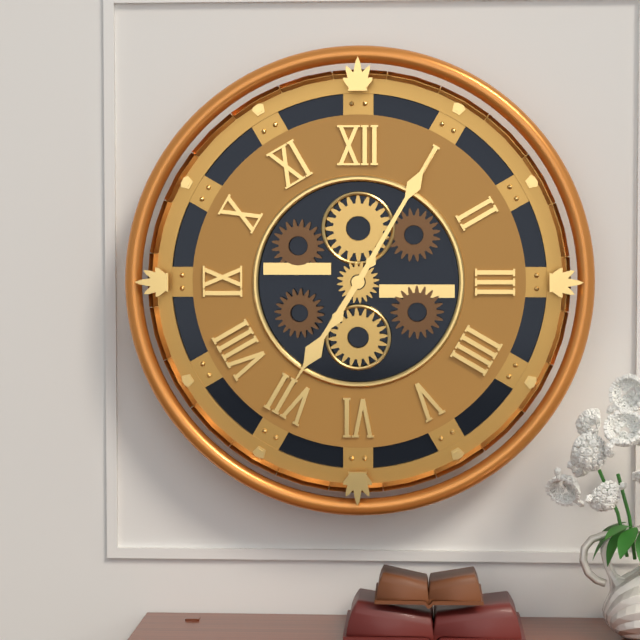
7:05
